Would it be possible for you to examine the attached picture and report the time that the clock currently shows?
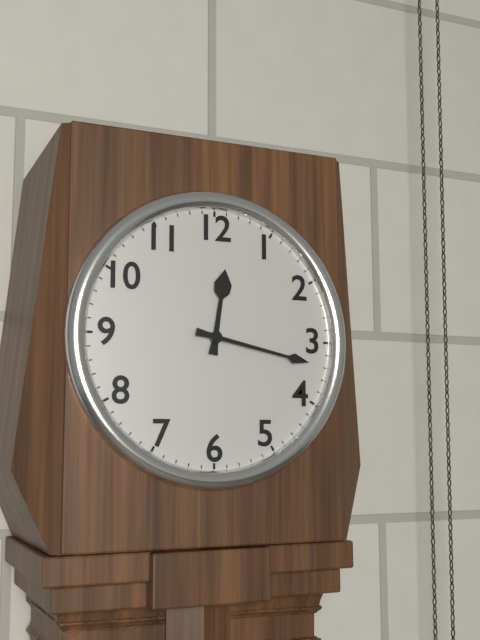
12:17
